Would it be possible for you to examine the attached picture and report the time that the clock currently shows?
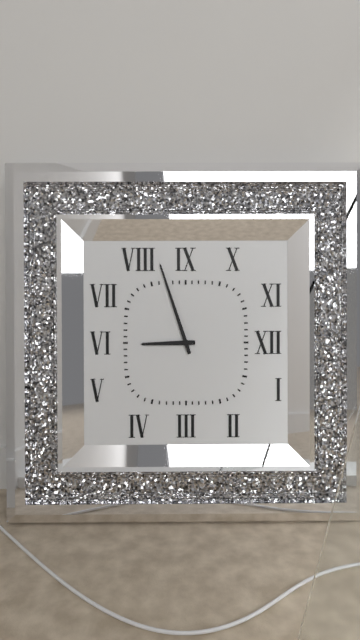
8:57
